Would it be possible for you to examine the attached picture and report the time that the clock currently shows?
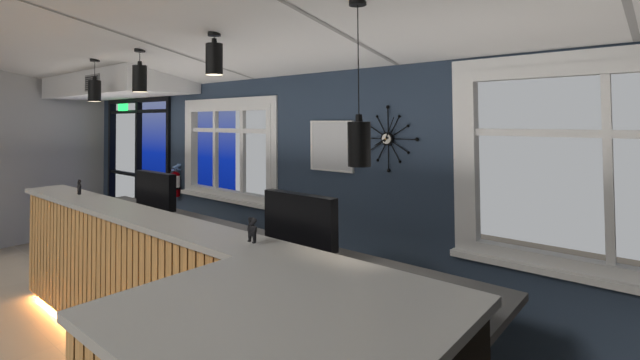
8:04
